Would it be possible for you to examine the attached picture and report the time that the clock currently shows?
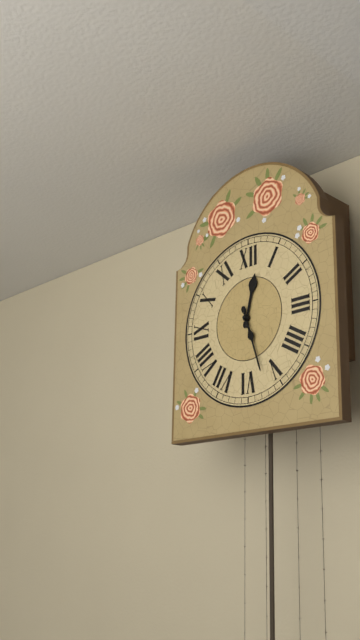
12:27
